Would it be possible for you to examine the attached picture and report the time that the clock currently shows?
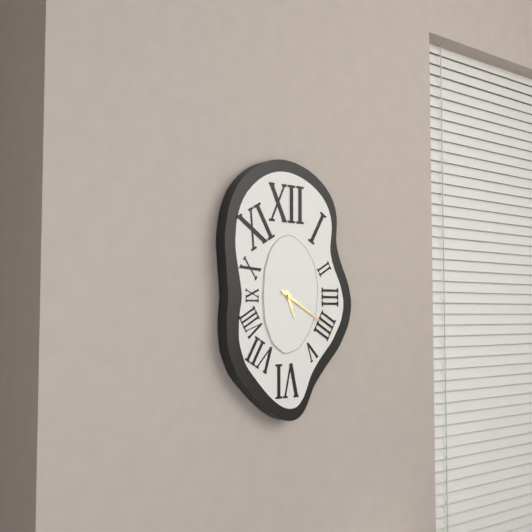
5:20
